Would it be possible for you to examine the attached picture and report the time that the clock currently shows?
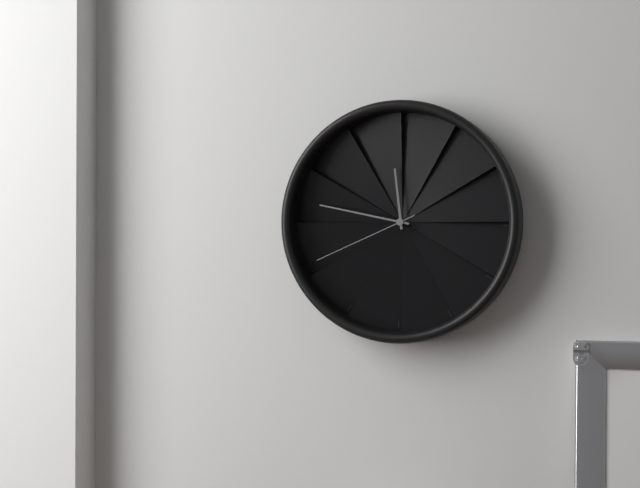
11:47:41
